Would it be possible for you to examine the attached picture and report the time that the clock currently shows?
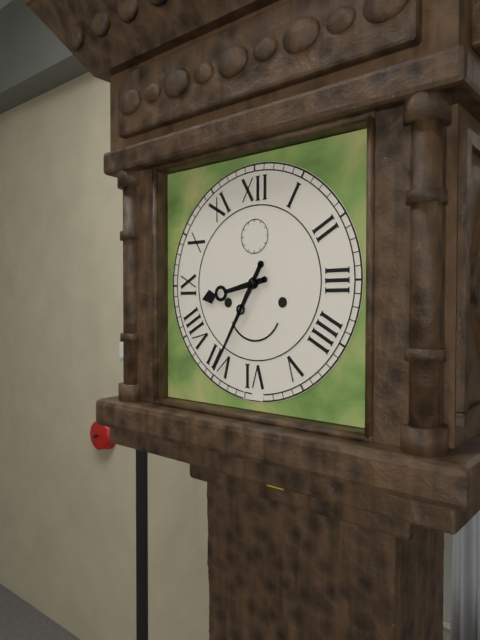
8:35
